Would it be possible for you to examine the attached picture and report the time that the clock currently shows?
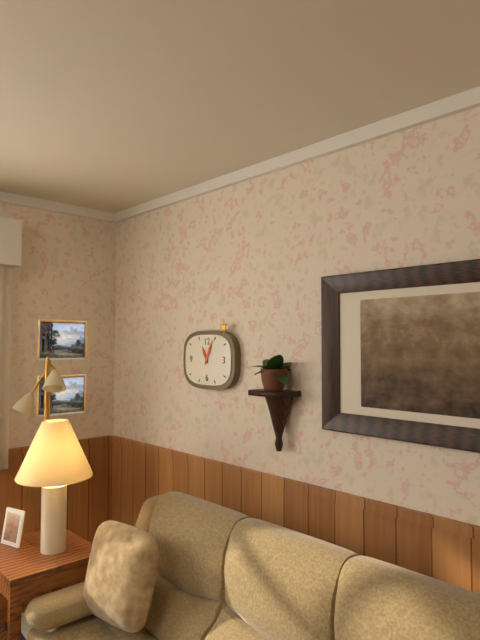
11:04
